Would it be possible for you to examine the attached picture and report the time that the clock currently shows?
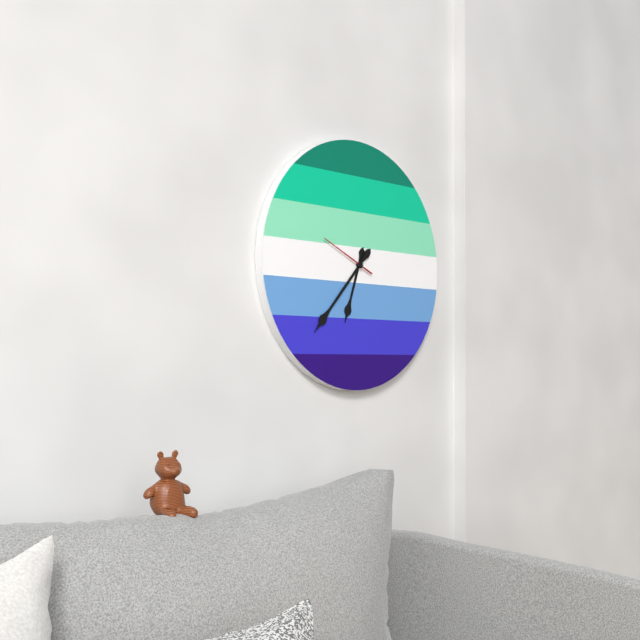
6:37:49
